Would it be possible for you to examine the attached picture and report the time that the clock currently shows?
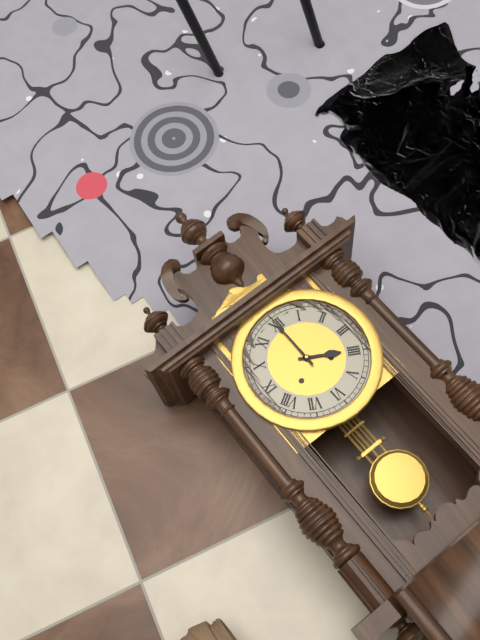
4:00
